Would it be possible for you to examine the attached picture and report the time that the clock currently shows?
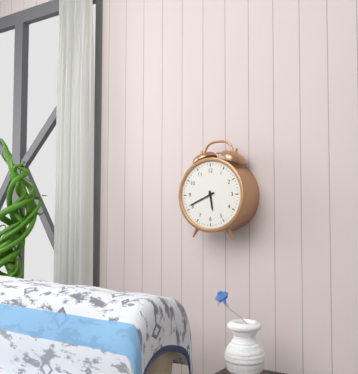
5:41
